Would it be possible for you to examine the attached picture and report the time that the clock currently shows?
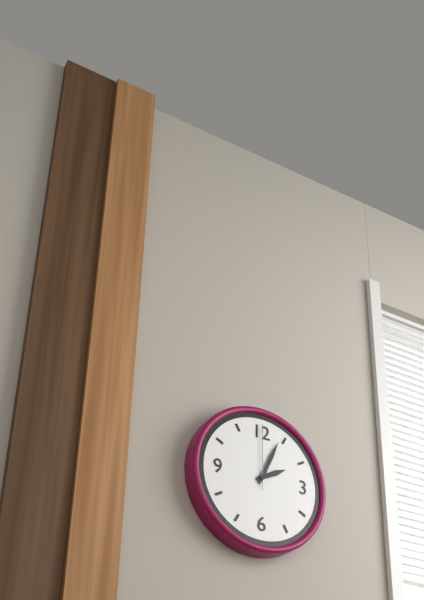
2:04:00
